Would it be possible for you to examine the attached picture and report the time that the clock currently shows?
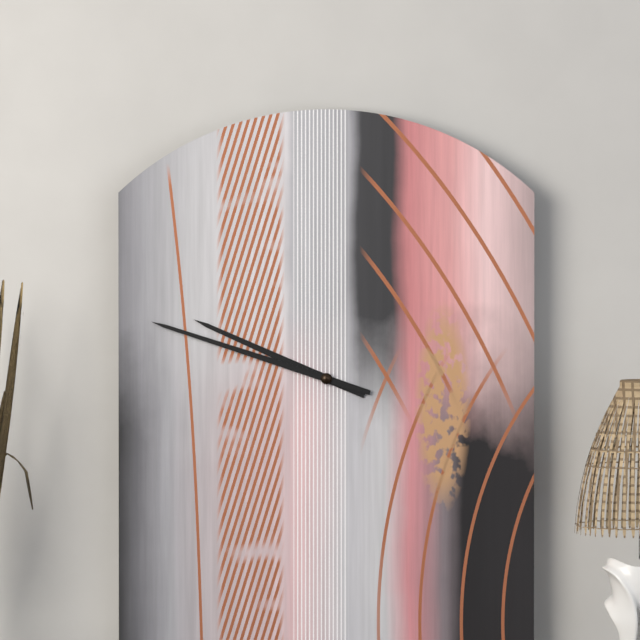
9:48
